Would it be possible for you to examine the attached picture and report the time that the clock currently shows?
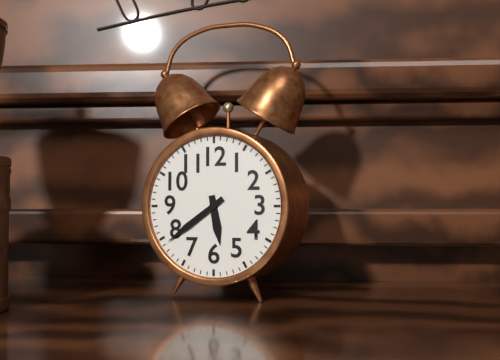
5:39
